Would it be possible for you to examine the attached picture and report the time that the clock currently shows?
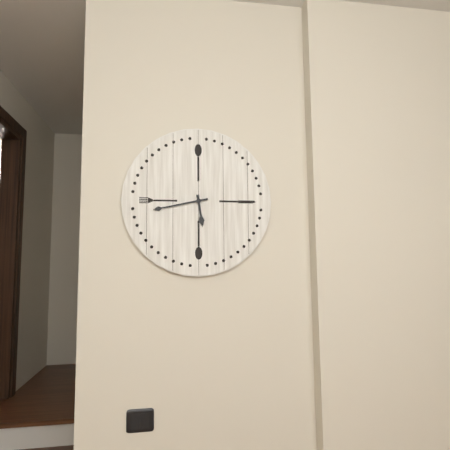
5:43
